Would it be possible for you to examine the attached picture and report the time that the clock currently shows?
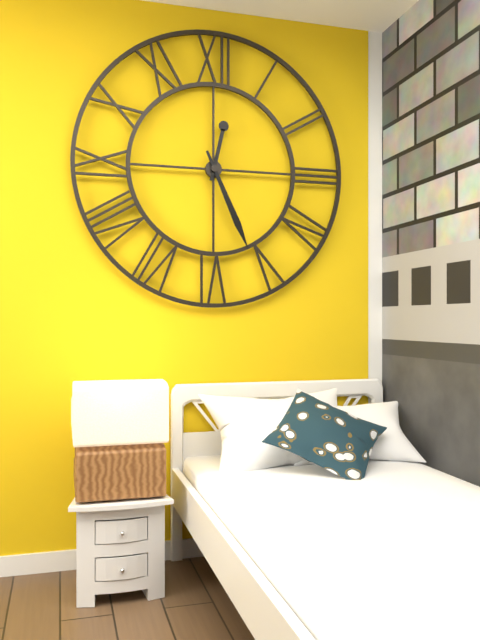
12:26
